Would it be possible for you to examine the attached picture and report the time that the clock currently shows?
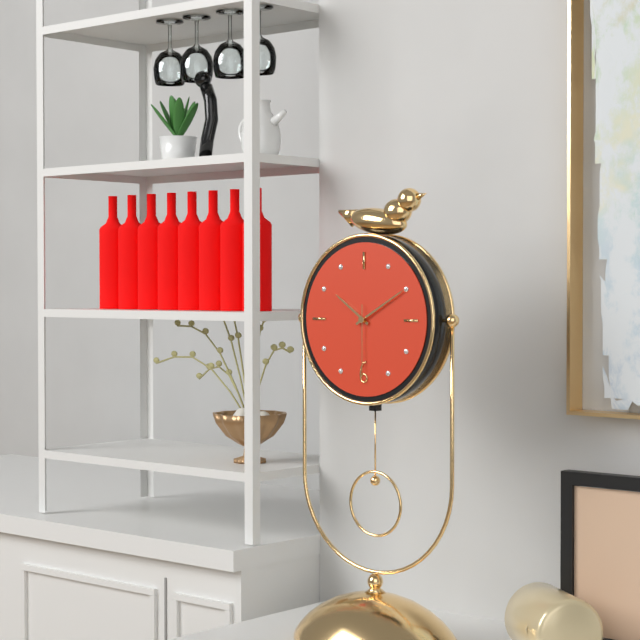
10:10:30
